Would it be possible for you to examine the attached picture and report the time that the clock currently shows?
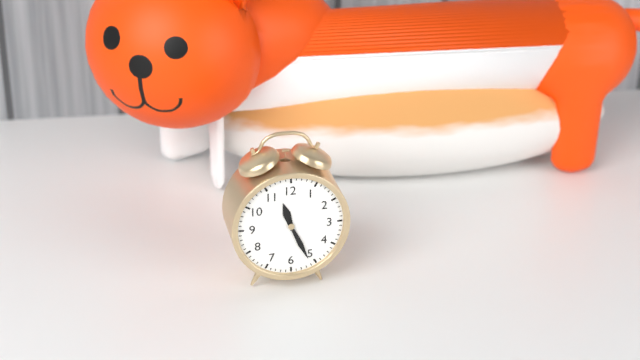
11:26
